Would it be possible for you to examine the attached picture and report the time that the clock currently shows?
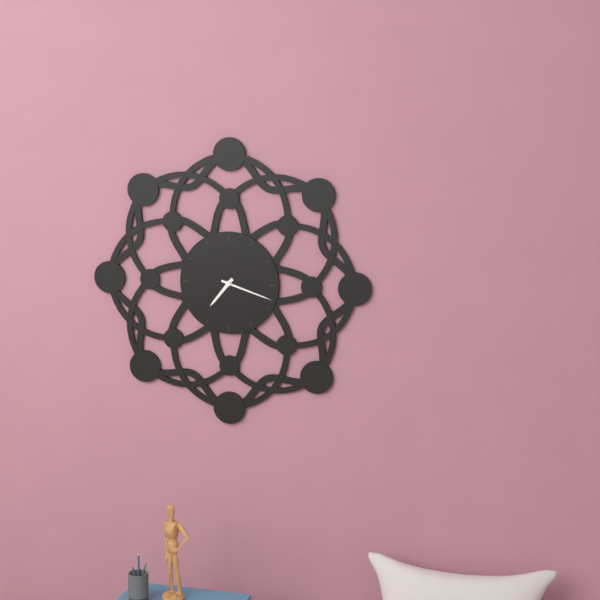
7:18
